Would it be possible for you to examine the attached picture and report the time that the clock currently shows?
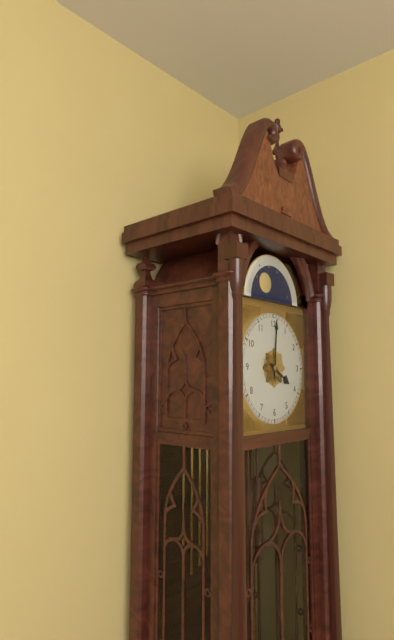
4:01
